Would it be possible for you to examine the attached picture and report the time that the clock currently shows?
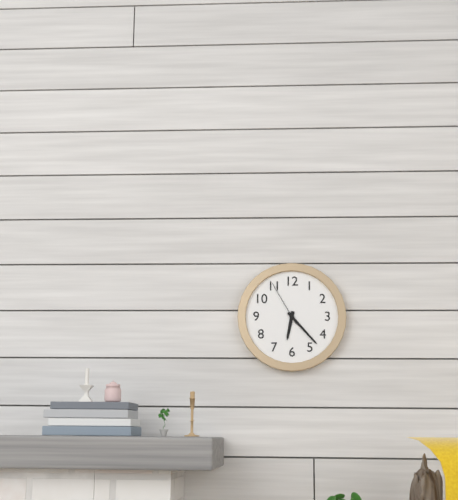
6:23
